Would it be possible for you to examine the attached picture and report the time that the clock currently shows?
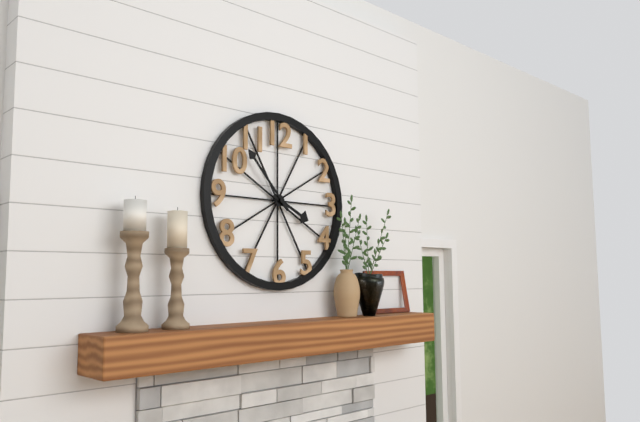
3:53
